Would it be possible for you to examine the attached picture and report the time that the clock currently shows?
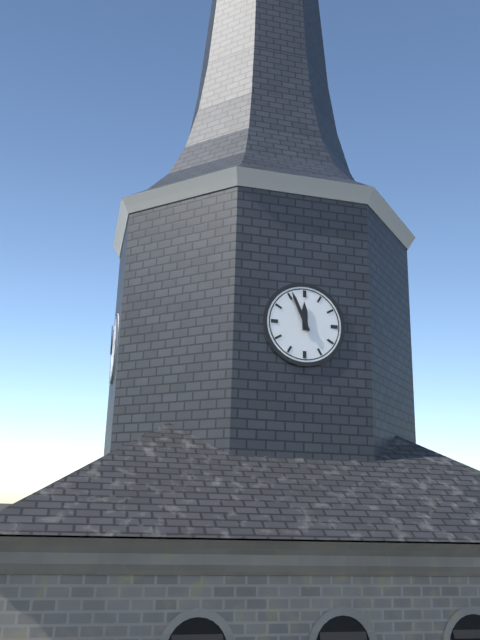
11:56
